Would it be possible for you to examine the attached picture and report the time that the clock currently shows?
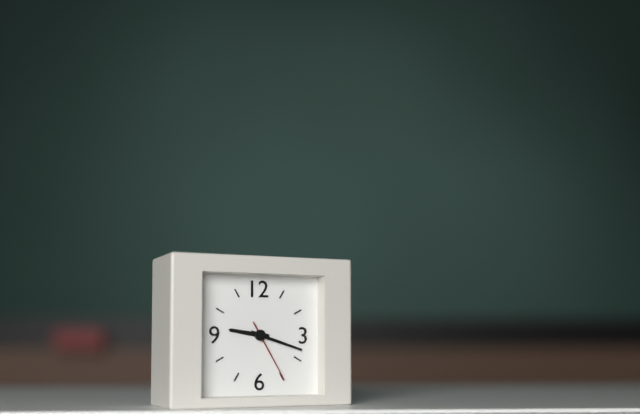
9:18:25
